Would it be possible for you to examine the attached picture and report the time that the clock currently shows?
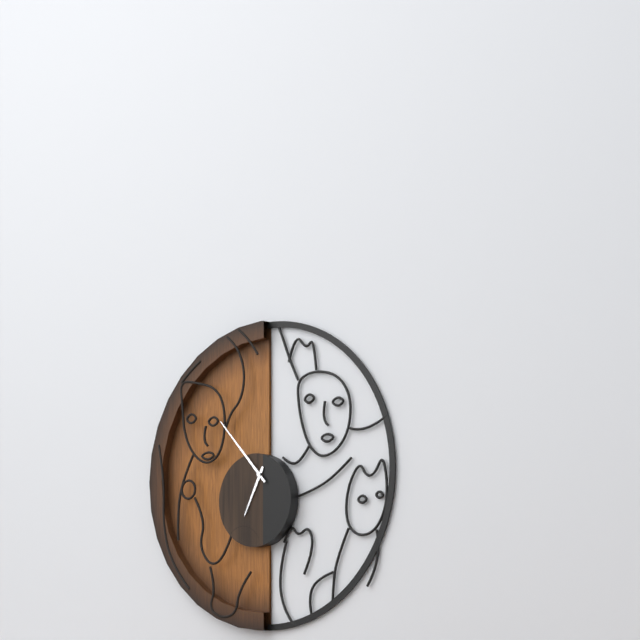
6:53
